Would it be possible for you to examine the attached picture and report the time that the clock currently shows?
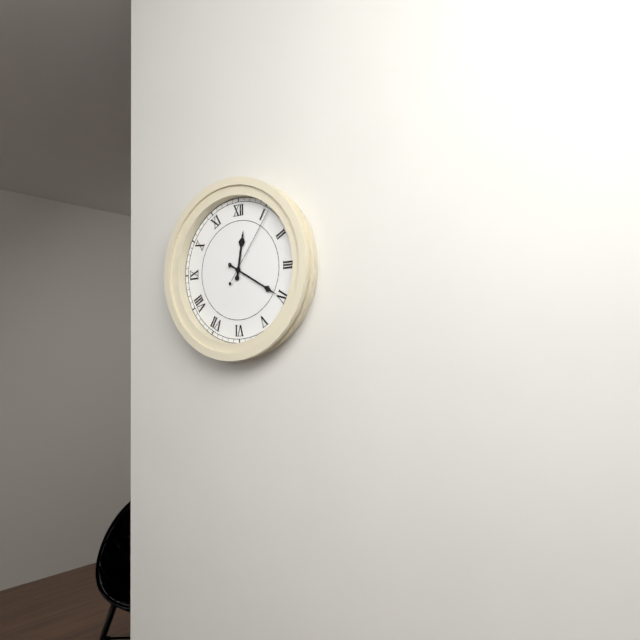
12:20:06
